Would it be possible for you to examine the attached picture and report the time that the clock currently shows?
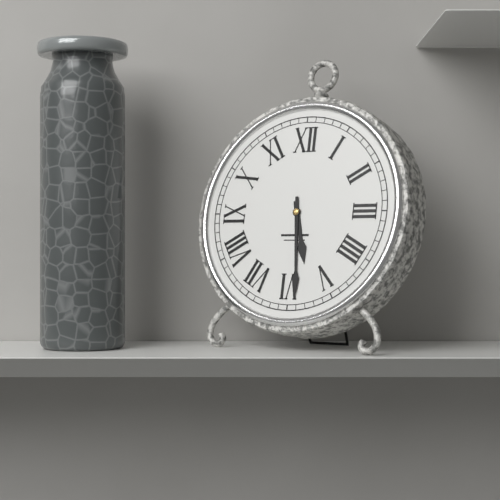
5:29
